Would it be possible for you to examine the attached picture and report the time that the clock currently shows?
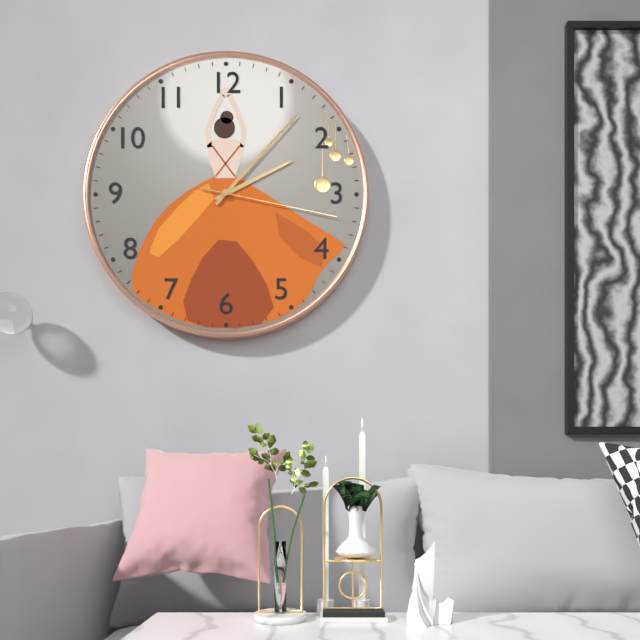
2:07:17
